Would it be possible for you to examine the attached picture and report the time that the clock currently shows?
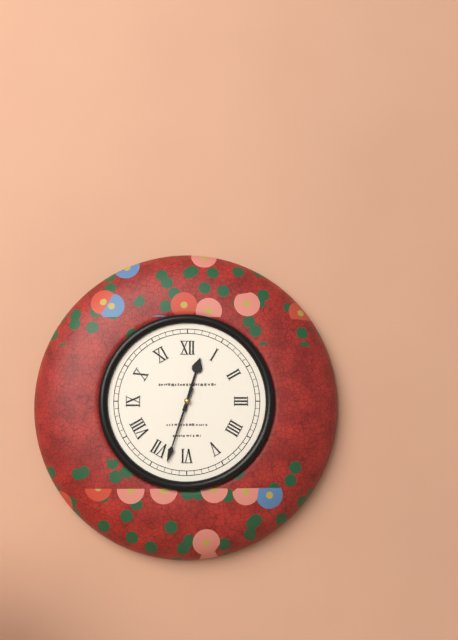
12:33
